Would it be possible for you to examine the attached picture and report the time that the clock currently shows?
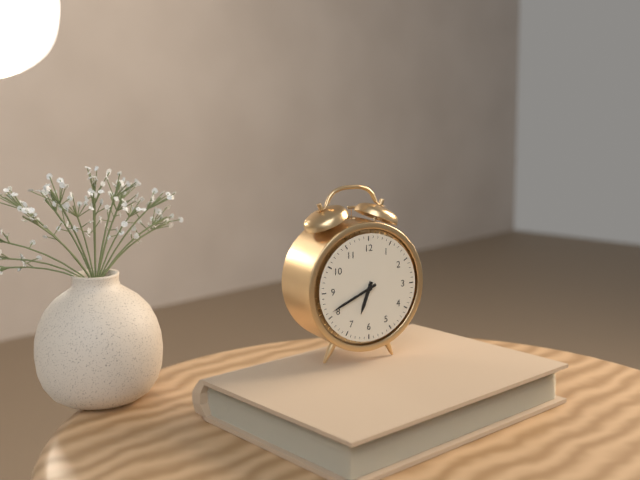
6:41
